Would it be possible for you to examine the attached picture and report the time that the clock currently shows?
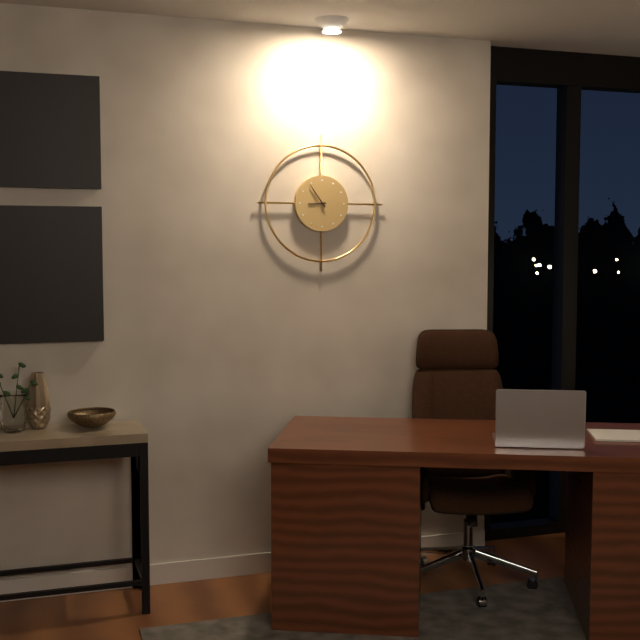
8:54
